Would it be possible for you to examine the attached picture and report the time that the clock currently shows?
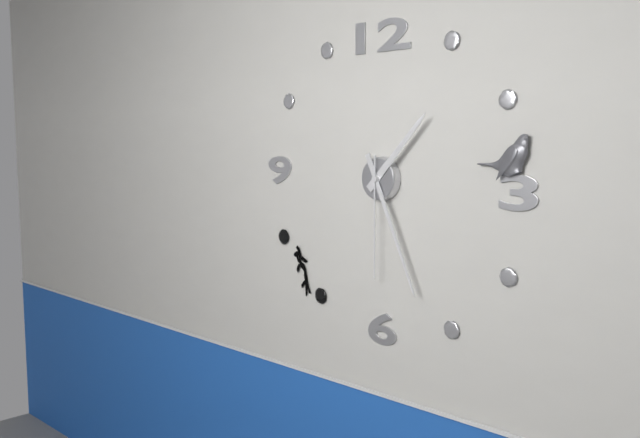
1:26:30
